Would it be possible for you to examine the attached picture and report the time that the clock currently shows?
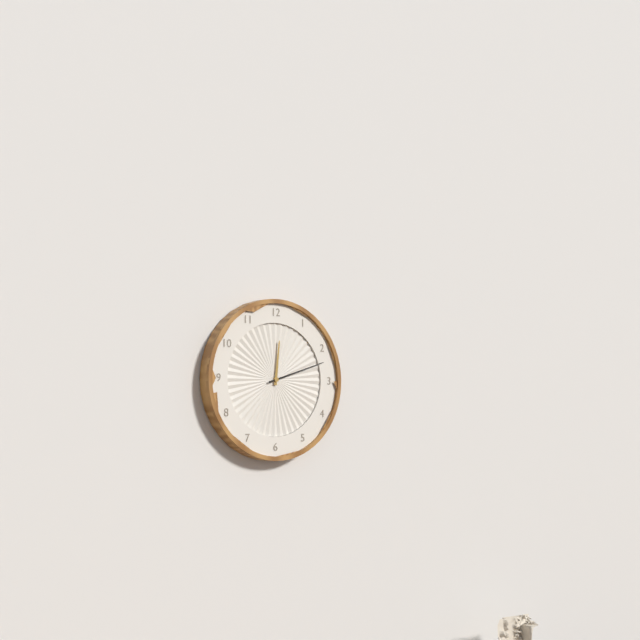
12:12
